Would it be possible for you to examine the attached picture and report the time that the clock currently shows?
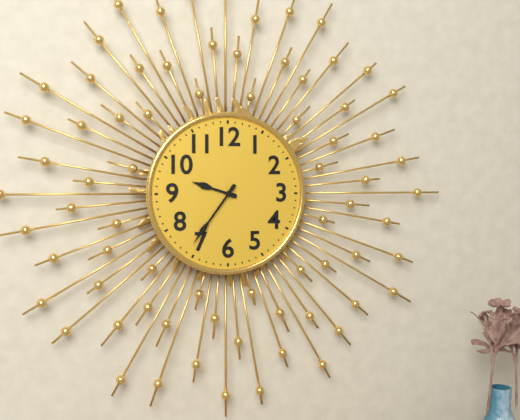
9:36
